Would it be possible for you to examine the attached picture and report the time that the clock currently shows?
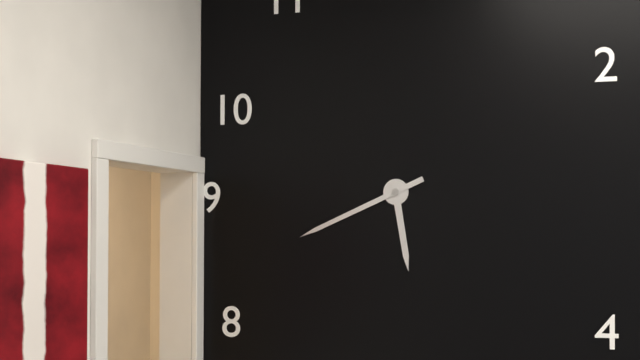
5:41
